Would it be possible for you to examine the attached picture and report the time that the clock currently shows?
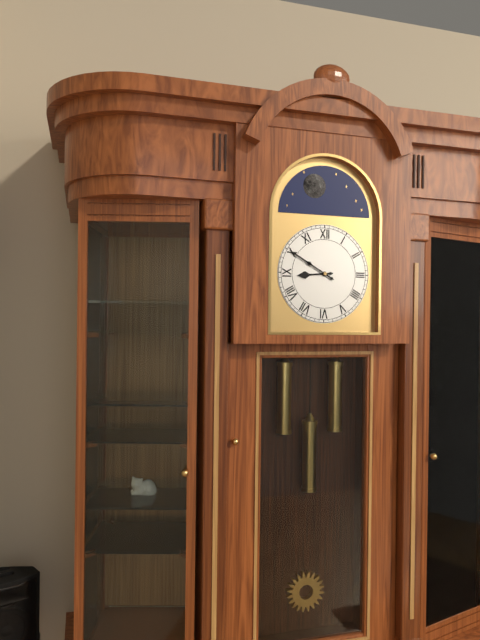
8:50
